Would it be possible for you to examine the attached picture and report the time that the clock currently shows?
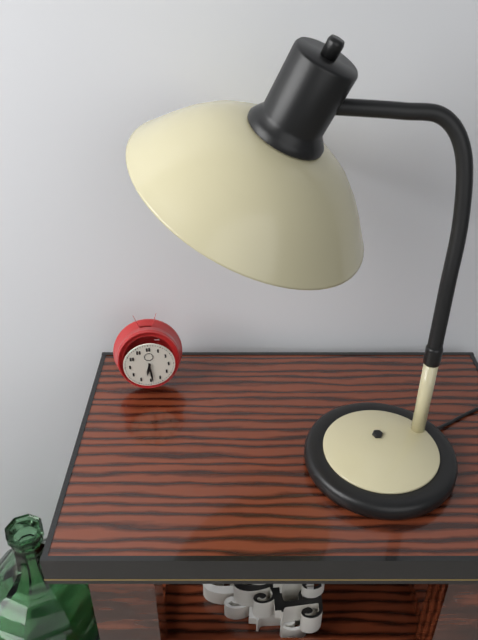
6:29
